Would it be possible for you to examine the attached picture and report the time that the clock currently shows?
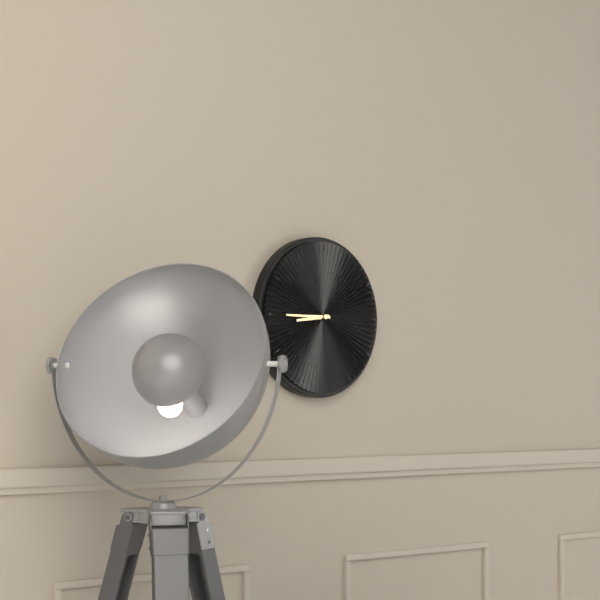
8:45
